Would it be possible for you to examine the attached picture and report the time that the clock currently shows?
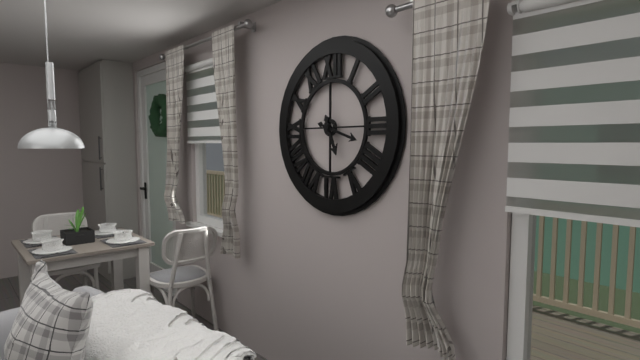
5:18
